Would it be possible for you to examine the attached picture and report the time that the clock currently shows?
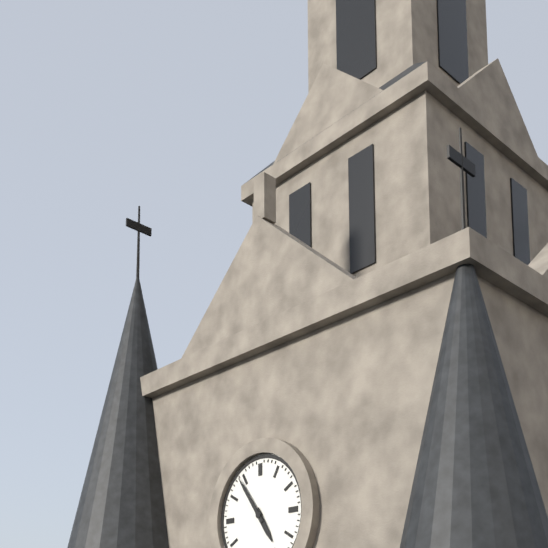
4:54
